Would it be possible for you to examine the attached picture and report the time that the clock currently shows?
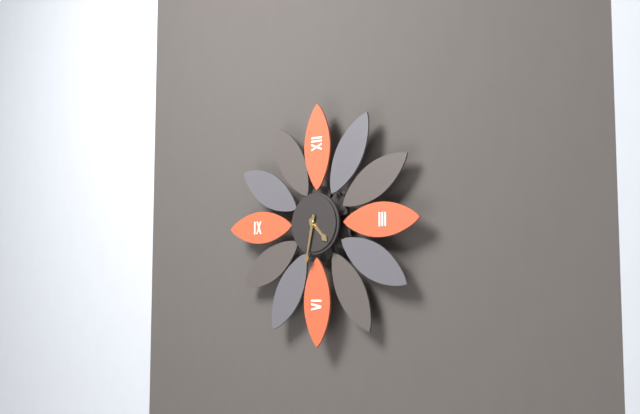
4:32
